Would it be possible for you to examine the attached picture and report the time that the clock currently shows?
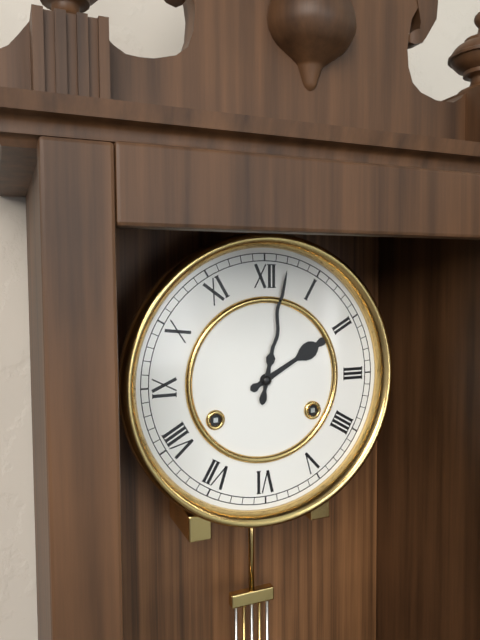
2:02
